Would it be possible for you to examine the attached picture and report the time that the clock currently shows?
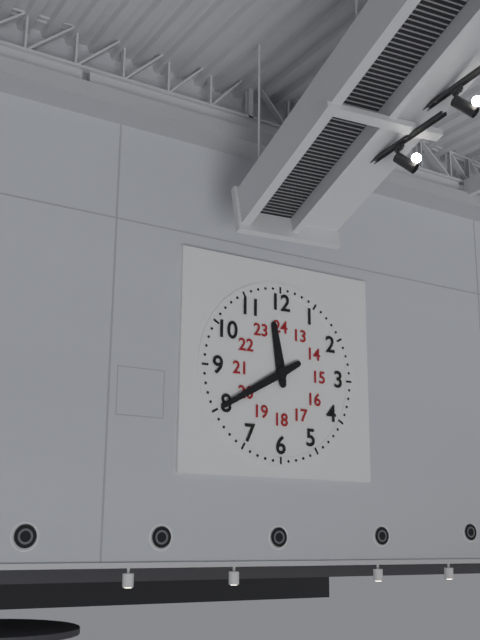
11:40
